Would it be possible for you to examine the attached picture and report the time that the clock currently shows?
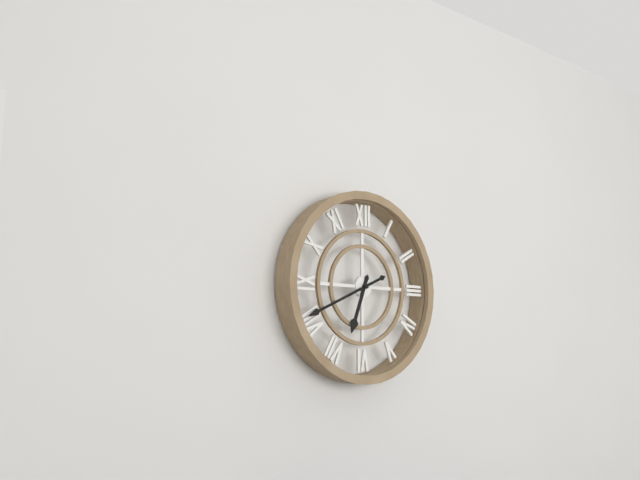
6:41
